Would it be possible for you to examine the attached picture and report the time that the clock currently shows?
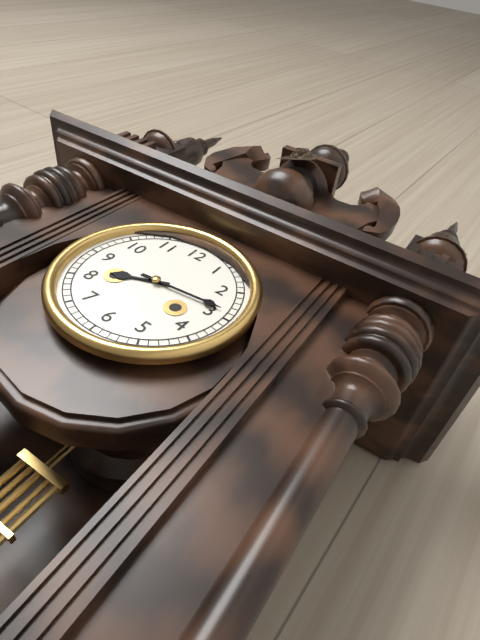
8:14
